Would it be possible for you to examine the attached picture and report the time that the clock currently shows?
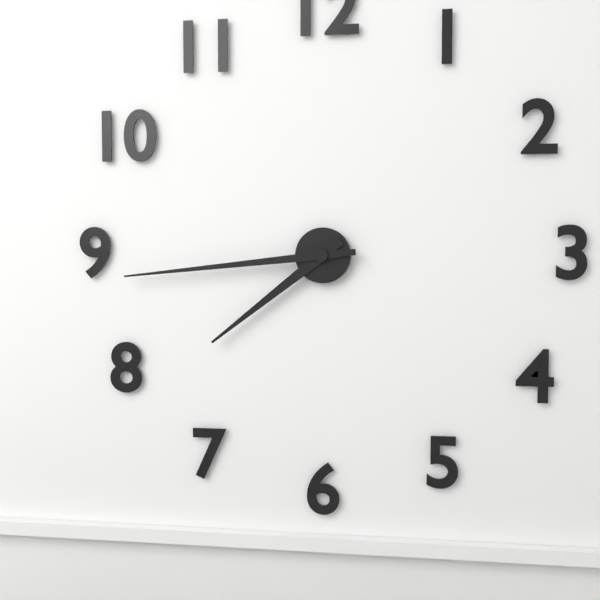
7:44
